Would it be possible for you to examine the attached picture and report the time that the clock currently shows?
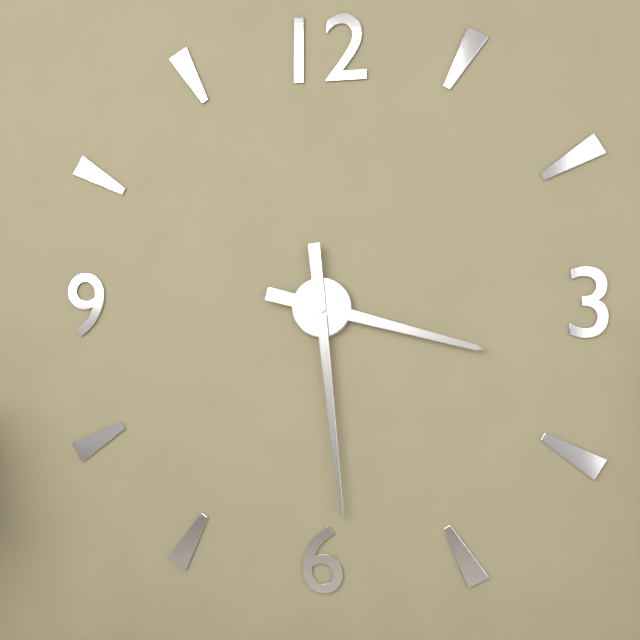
3:29
